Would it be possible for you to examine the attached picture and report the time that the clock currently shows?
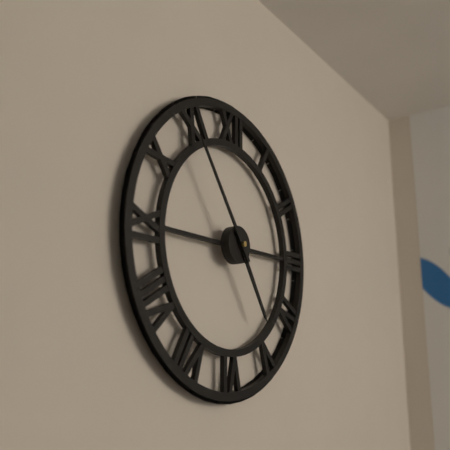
4:54
